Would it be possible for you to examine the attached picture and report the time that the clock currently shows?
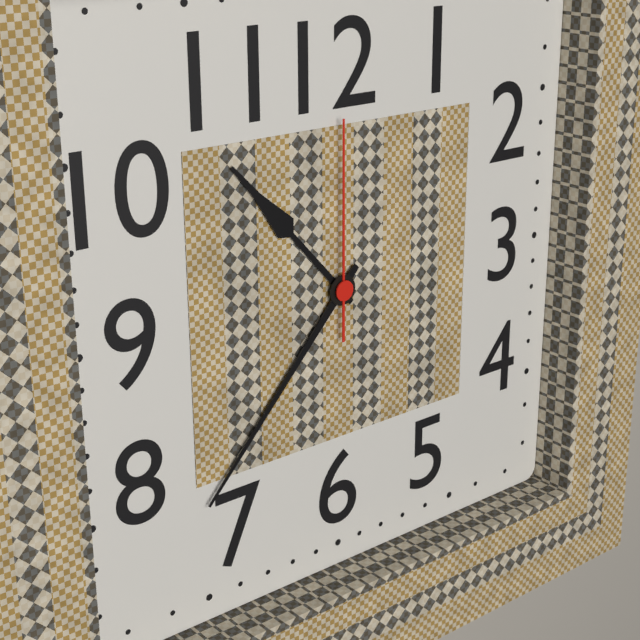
10:37:00
